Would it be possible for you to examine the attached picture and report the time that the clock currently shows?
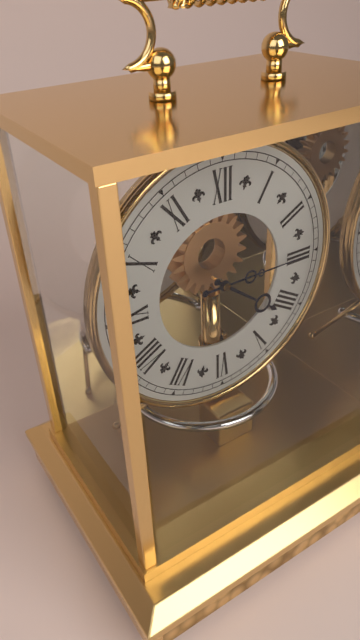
4:15
